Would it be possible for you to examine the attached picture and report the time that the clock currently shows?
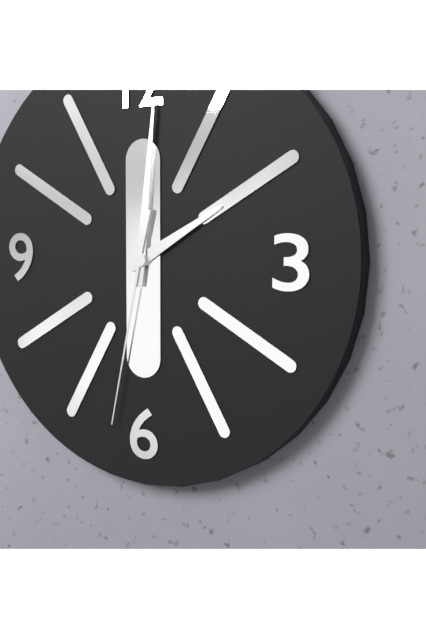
2:01:32
